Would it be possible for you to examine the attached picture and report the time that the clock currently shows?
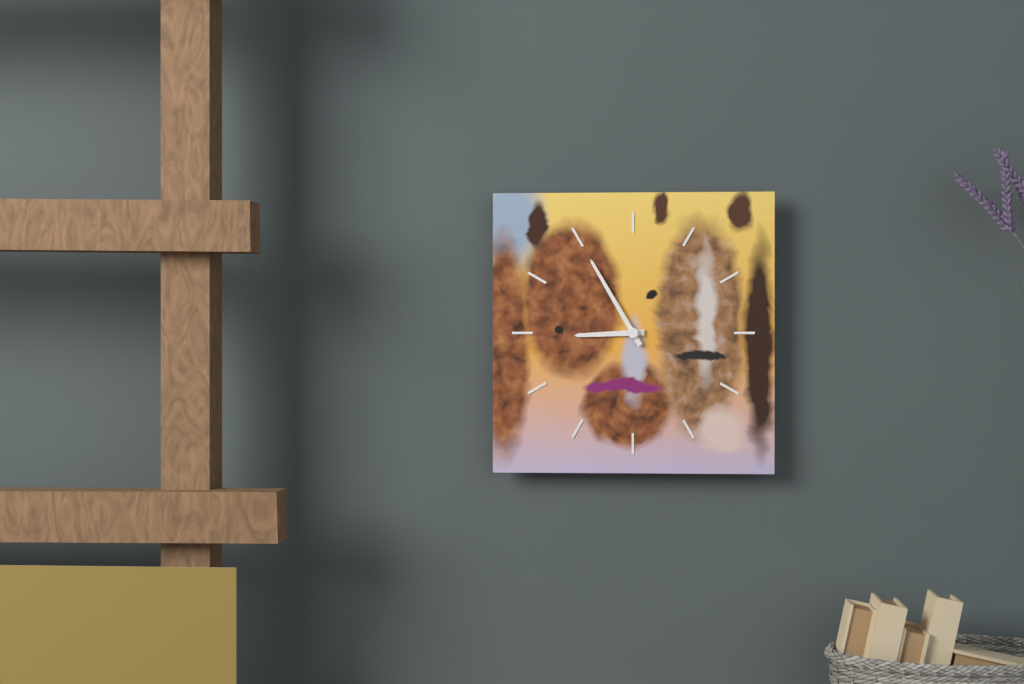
8:55
